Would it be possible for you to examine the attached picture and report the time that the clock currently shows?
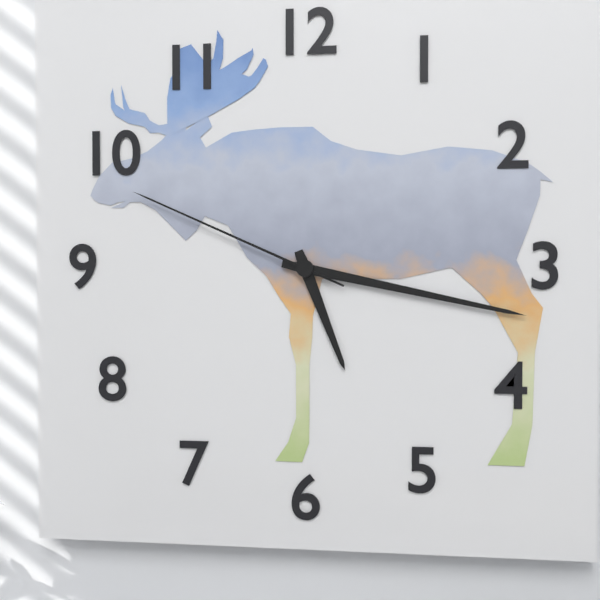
5:17:49
